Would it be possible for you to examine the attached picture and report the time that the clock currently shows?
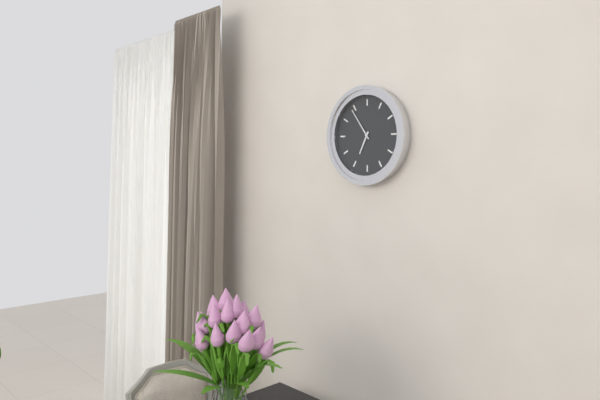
6:54
